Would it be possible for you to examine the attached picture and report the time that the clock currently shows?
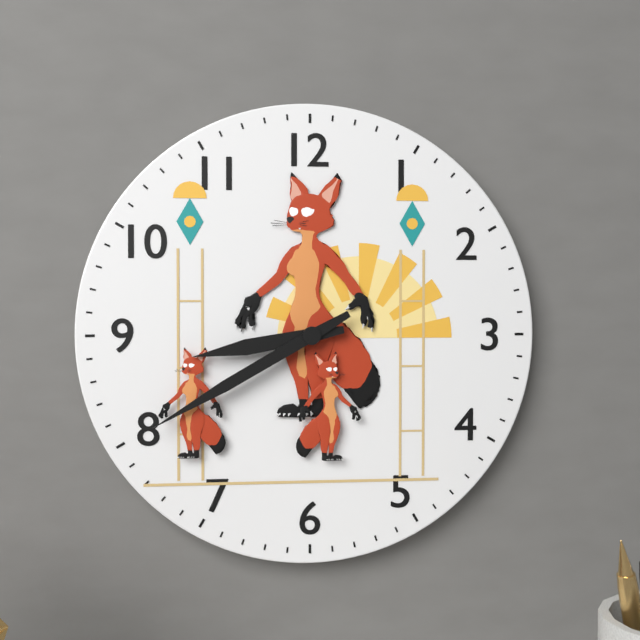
8:40
